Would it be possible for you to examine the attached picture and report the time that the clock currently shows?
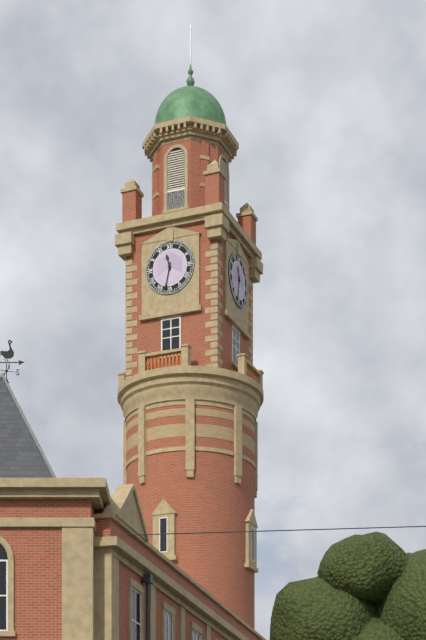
11:32
